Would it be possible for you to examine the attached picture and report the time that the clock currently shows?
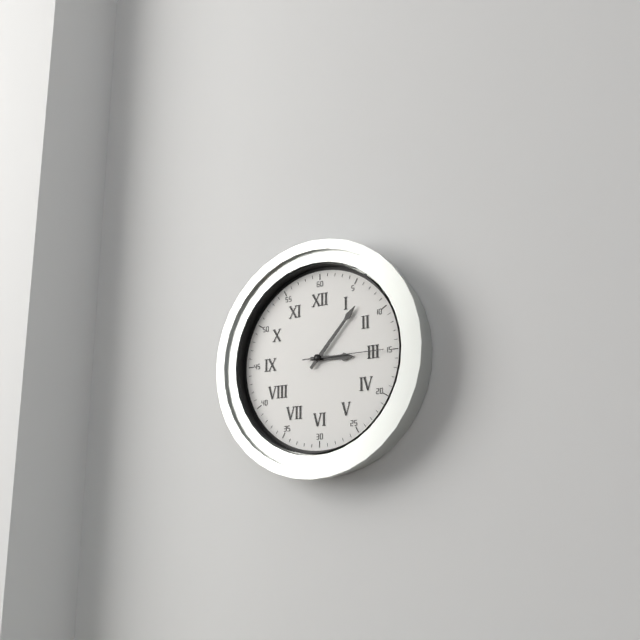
3:07:15
